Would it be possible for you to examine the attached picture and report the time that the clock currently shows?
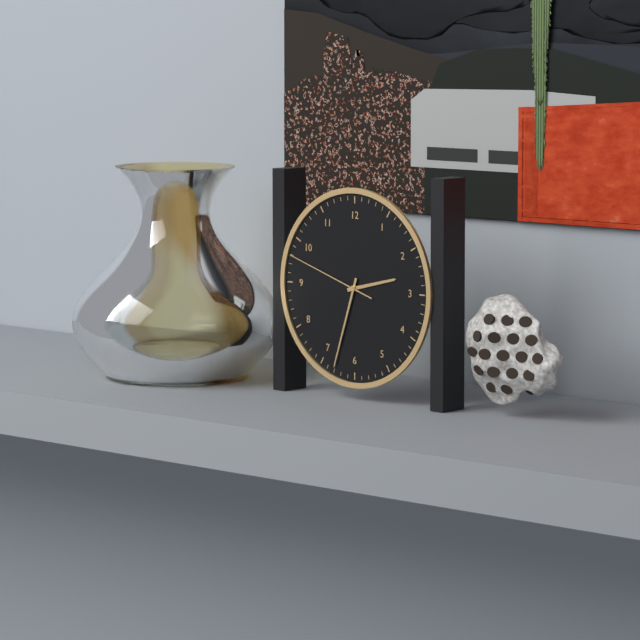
2:33:48
